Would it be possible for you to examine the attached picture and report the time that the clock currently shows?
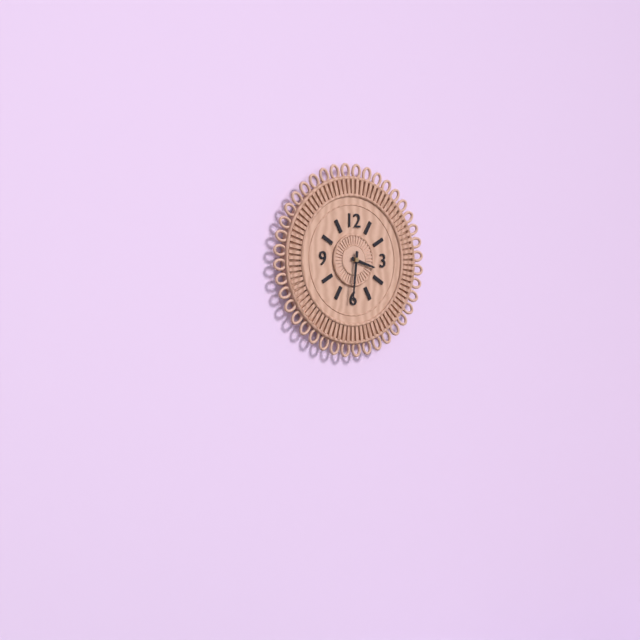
3:31
